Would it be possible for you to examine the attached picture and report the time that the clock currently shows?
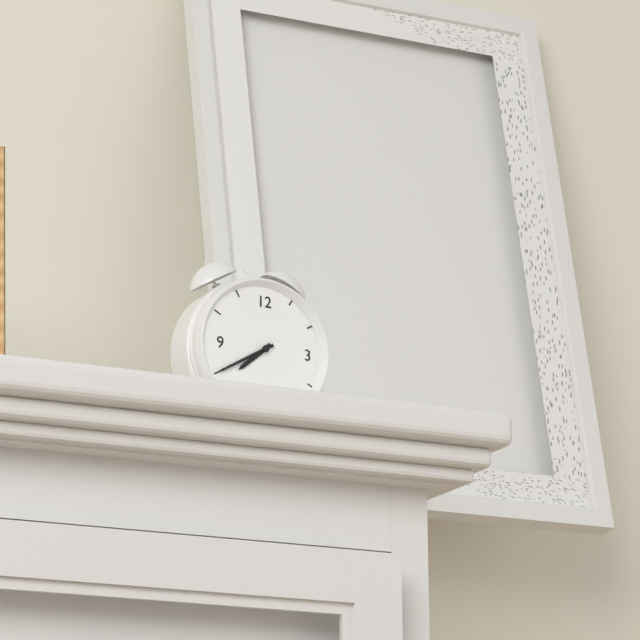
7:40
